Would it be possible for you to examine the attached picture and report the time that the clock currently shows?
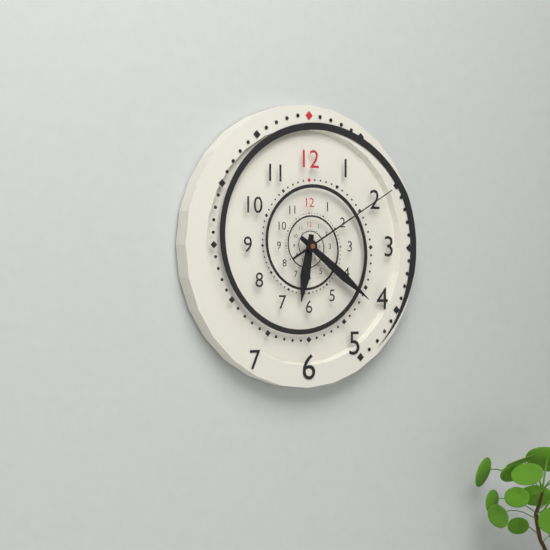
6:21:10
